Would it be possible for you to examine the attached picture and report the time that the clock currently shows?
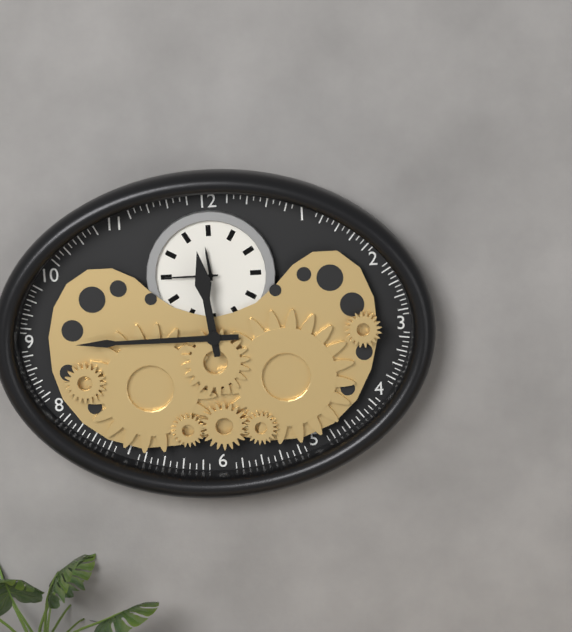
11:45
